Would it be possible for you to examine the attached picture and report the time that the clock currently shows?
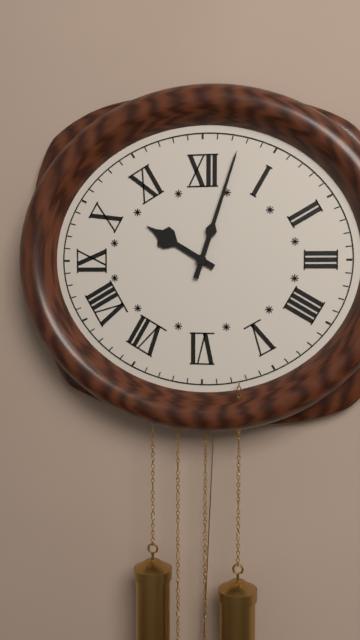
10:03
